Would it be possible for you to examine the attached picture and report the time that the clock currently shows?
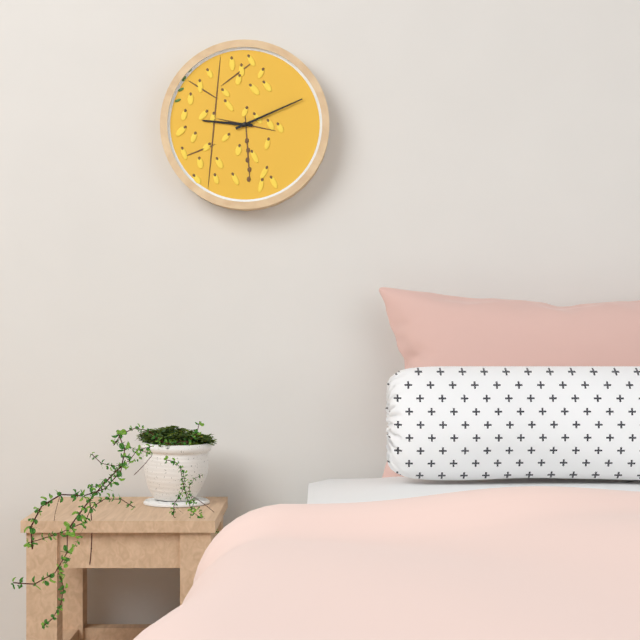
9:11
